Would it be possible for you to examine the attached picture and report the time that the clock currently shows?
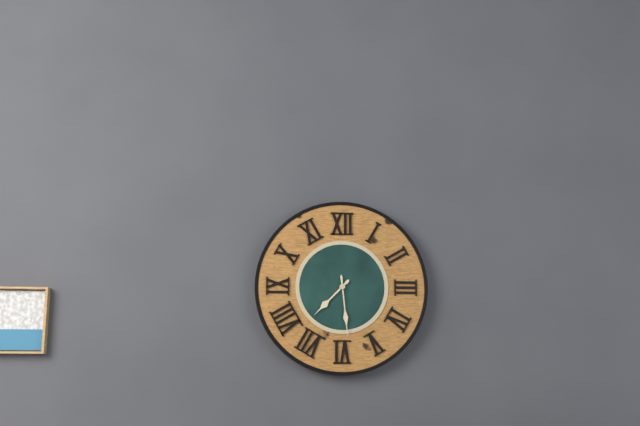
7:29
